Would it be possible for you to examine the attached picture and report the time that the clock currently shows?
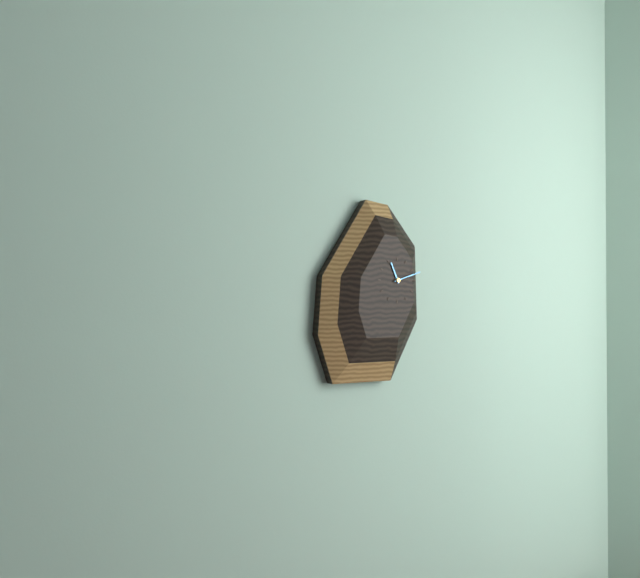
11:12
